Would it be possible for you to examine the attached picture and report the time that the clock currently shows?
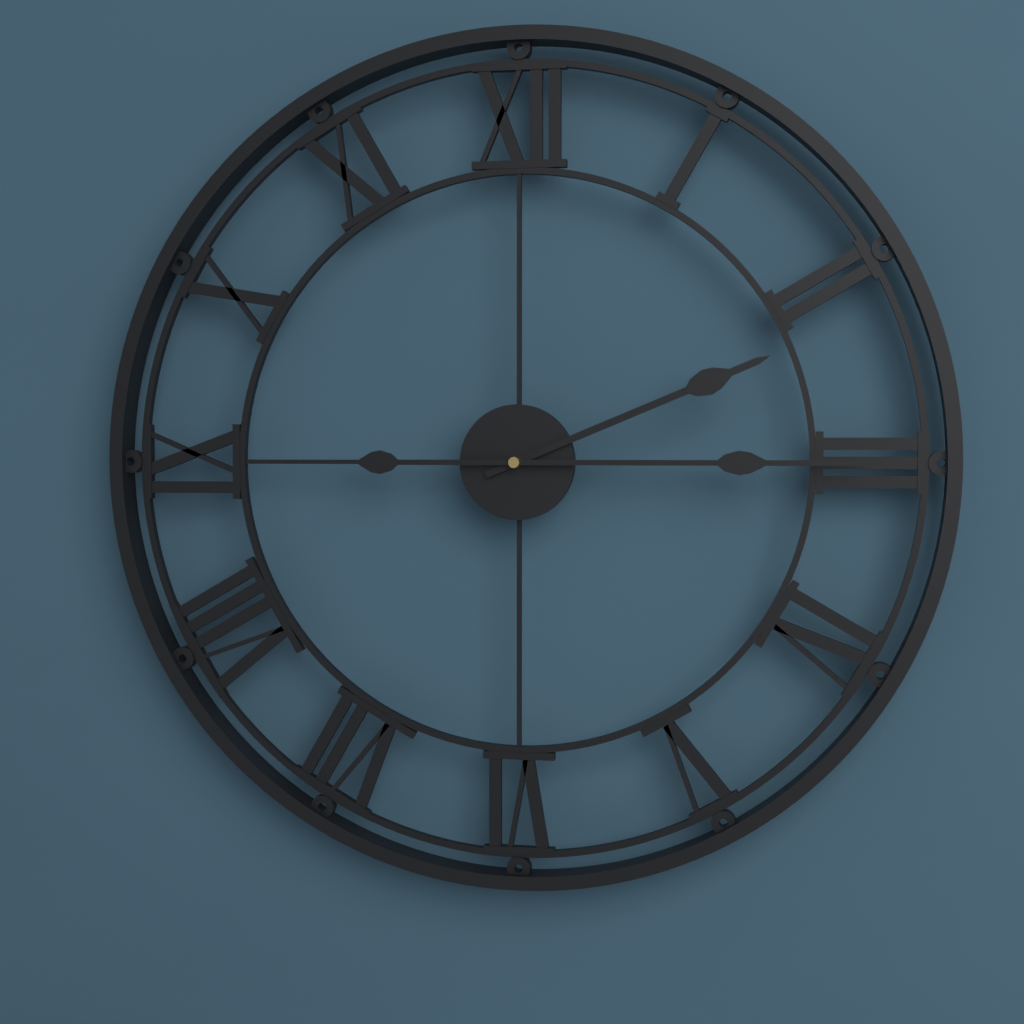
2:15
